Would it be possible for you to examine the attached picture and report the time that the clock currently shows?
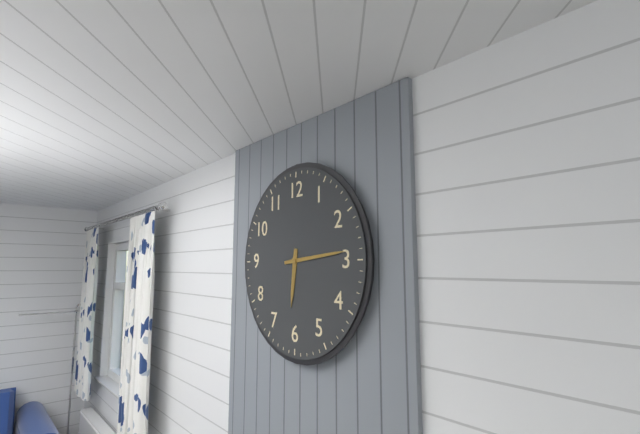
6:14
